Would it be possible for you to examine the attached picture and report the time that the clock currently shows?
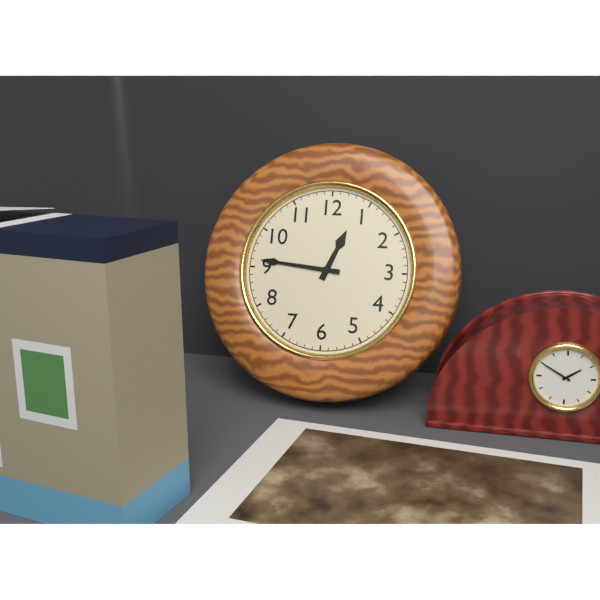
12:46
